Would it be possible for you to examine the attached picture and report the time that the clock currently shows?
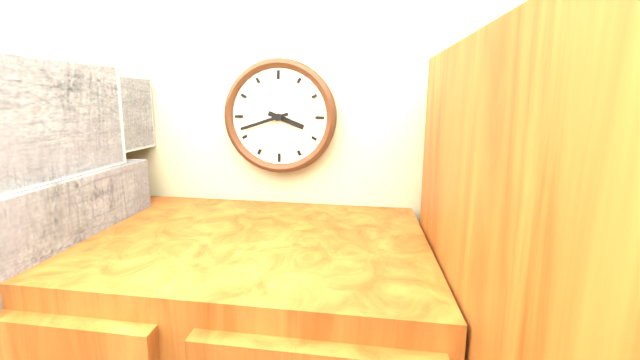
3:42
